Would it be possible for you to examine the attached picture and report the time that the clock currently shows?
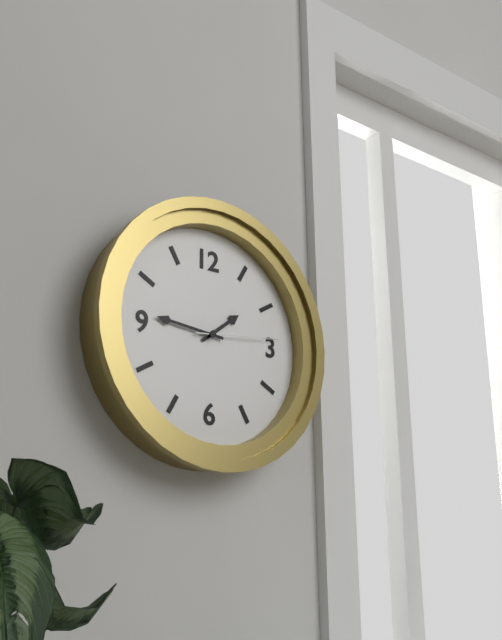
1:46:14
